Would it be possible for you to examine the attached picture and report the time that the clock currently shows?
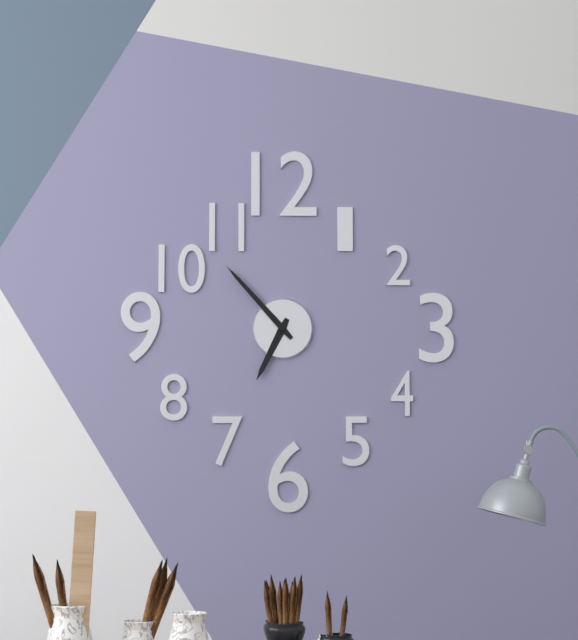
6:53
